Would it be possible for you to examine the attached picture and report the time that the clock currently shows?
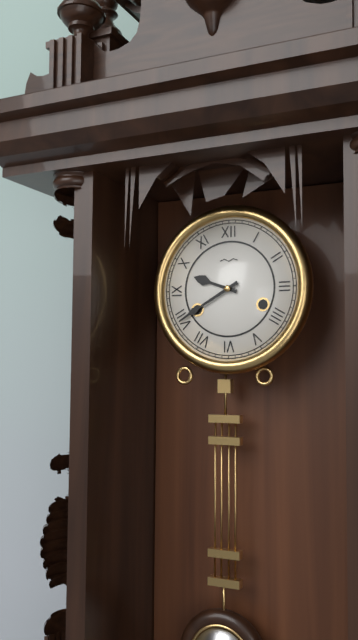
9:40
